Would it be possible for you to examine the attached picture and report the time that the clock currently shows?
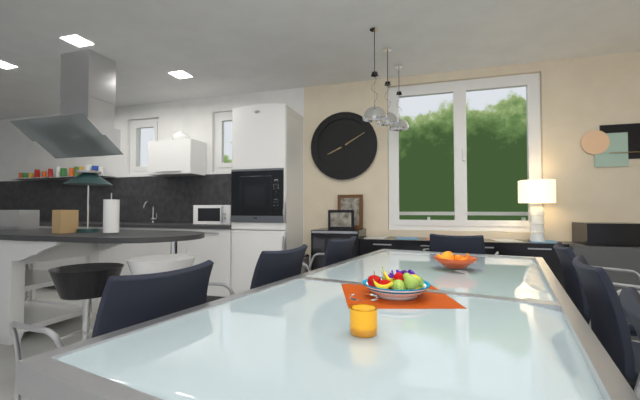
8:10
